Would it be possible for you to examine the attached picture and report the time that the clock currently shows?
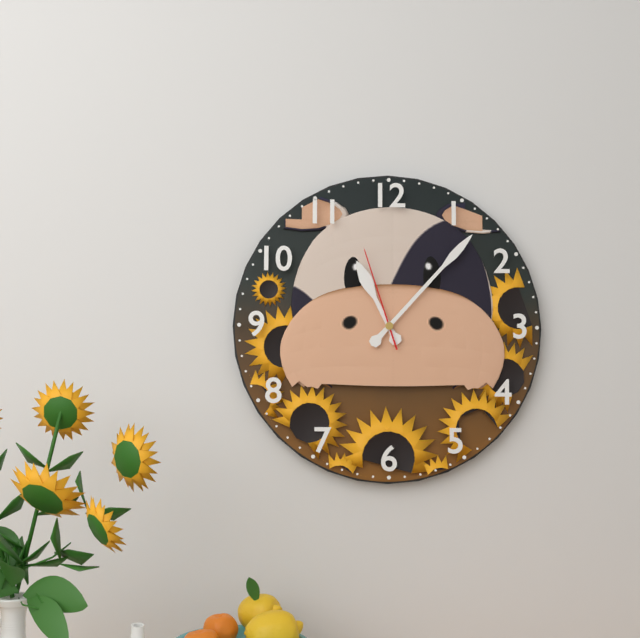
11:07:57
